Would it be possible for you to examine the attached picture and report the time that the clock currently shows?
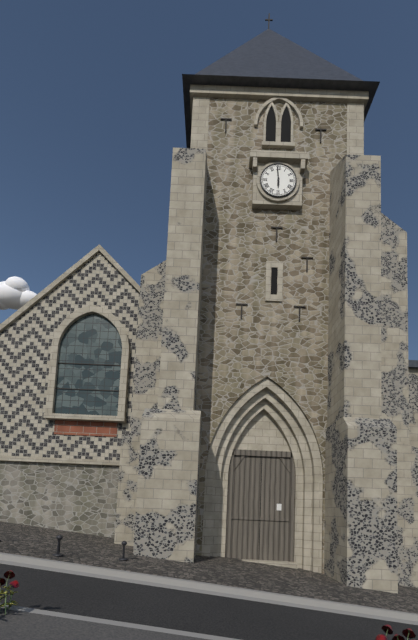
5:59
